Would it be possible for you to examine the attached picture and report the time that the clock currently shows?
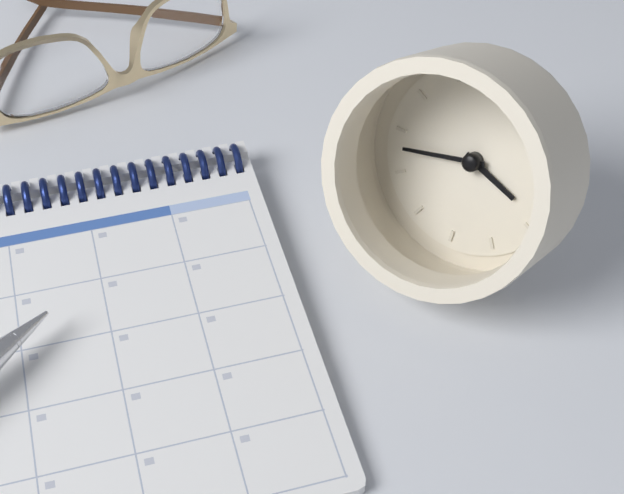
3:43
